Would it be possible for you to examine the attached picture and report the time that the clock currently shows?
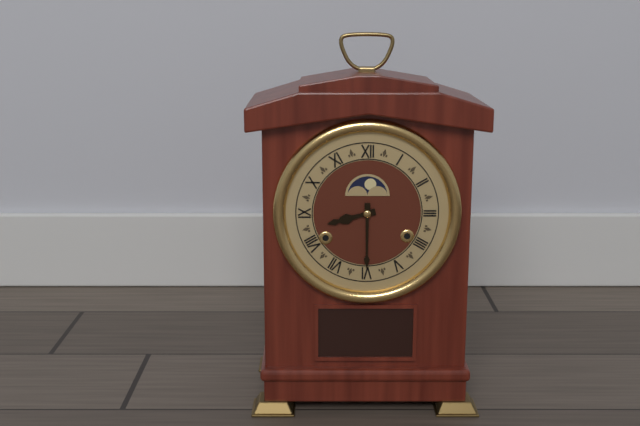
8:30
